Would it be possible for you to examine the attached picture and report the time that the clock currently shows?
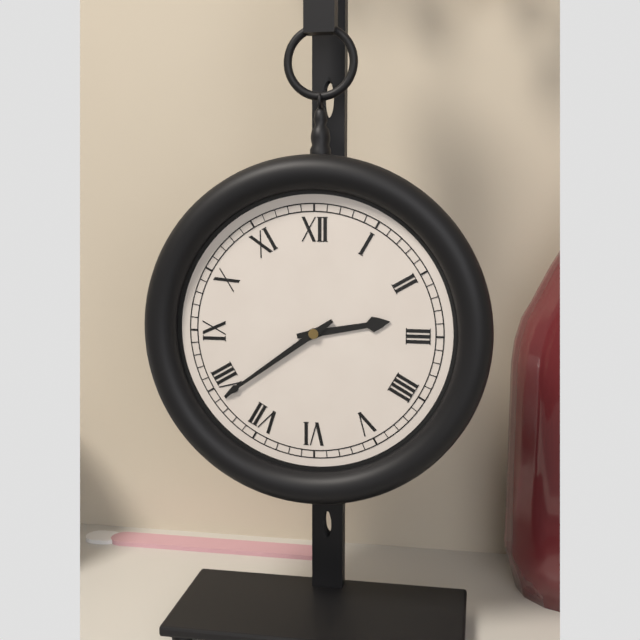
2:39
